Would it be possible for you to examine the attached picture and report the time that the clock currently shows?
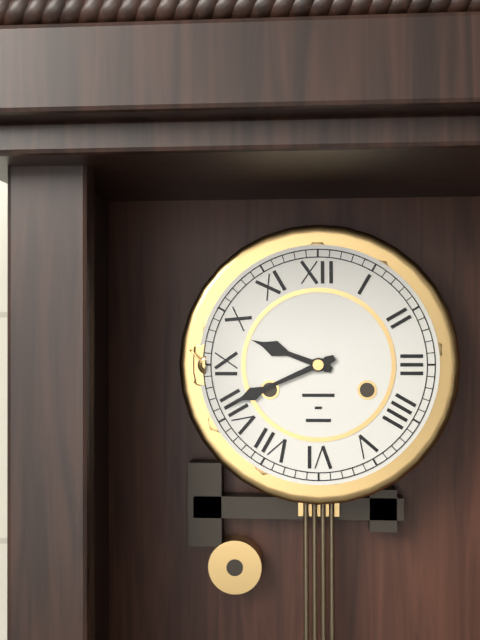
9:41
